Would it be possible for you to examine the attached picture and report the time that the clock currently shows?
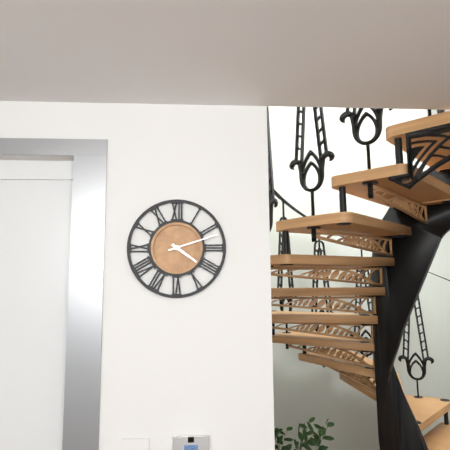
4:12
